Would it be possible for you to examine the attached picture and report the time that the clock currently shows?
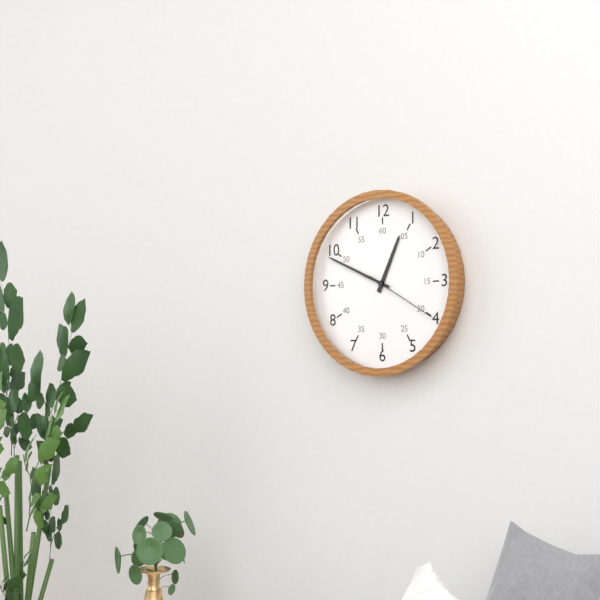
12:49:20
